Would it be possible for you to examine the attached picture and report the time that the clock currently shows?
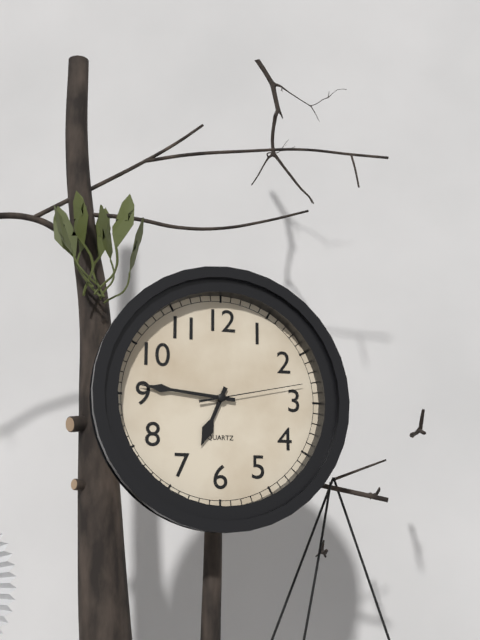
6:46:13
